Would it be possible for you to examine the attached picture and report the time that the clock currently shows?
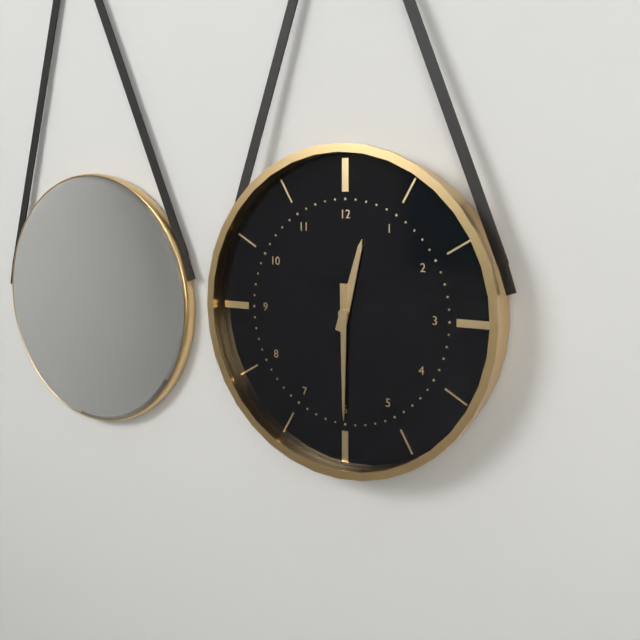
12:30
